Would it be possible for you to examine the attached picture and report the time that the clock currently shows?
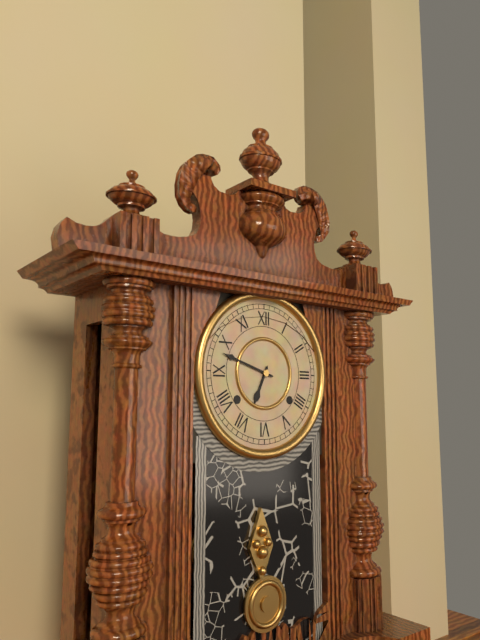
6:48
